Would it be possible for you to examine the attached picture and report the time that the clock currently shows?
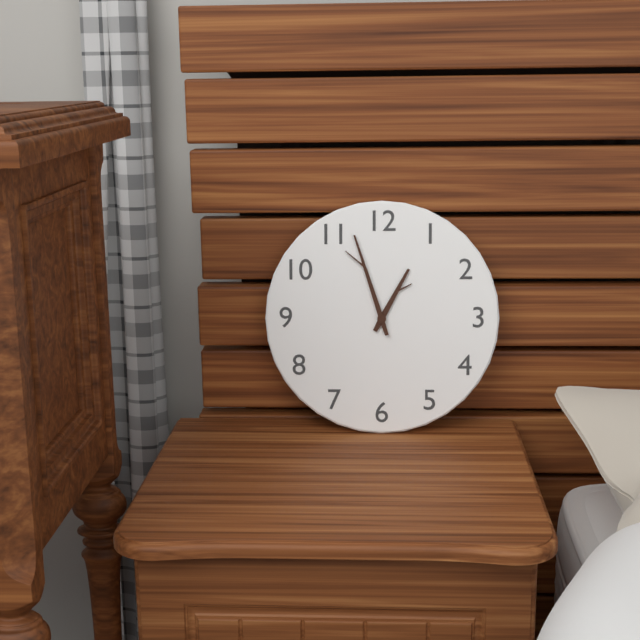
12:57
